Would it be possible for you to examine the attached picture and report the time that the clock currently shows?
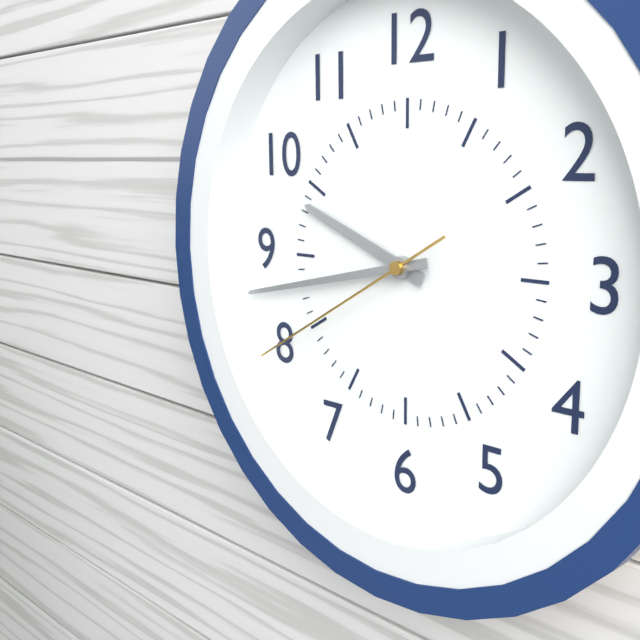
9:43:40
